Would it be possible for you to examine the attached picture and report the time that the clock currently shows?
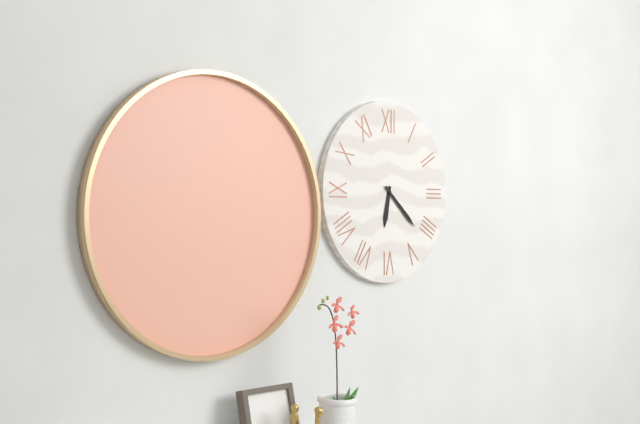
6:22
